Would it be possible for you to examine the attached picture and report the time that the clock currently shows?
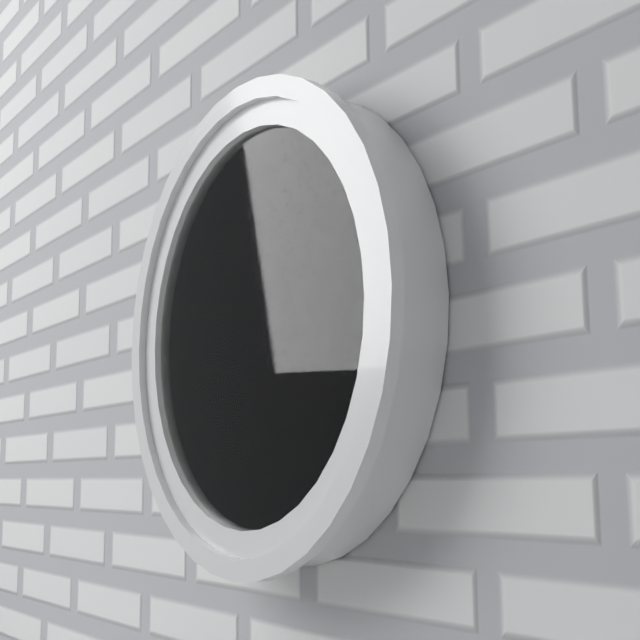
7:17:13
